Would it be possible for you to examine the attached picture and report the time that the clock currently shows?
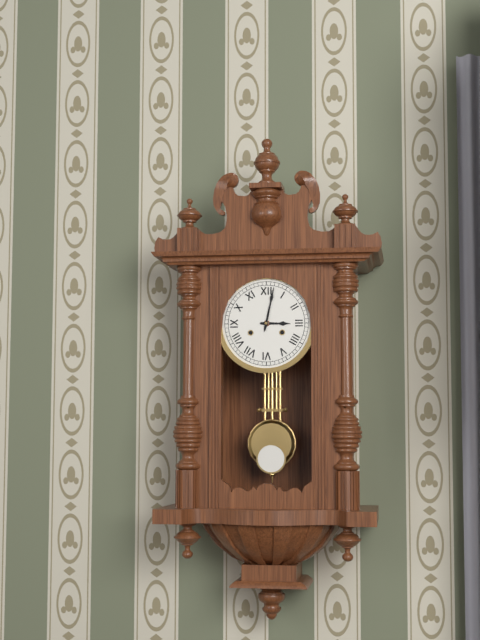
3:02
